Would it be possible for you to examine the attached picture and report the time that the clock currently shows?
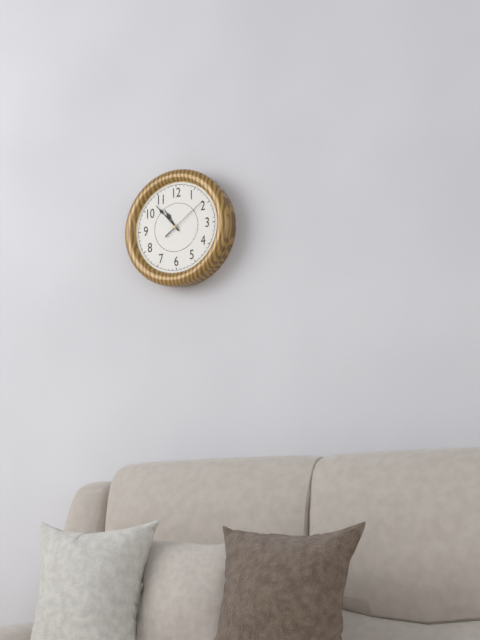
10:53
